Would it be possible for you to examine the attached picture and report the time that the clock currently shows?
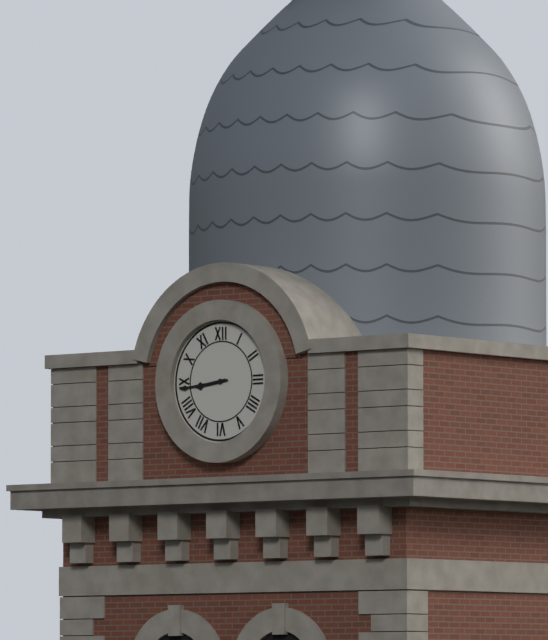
8:44
